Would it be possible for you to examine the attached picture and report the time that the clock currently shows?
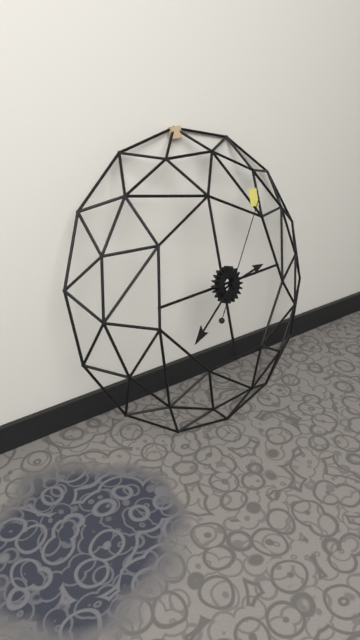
2:39:06
